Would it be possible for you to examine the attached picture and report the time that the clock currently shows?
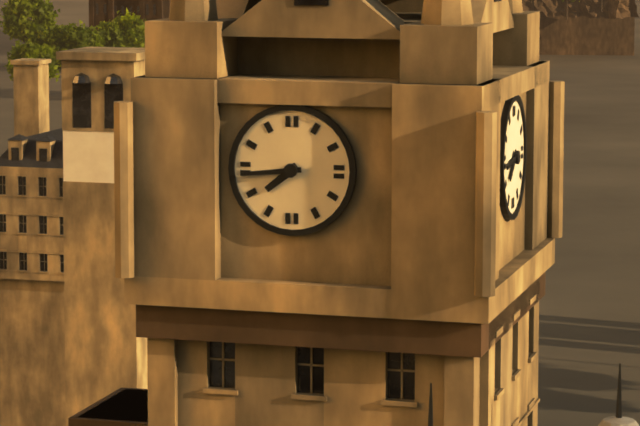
7:44
